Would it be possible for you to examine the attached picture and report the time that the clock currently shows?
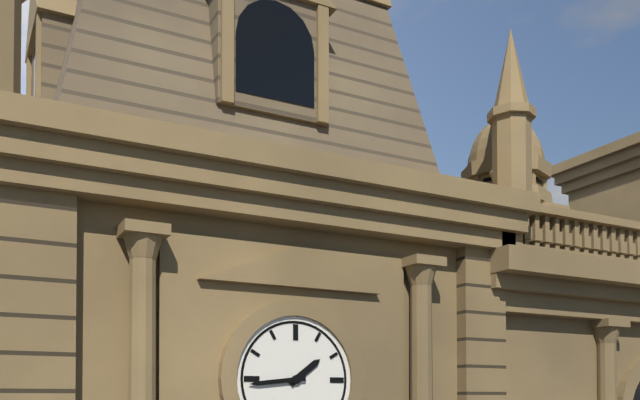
1:44
